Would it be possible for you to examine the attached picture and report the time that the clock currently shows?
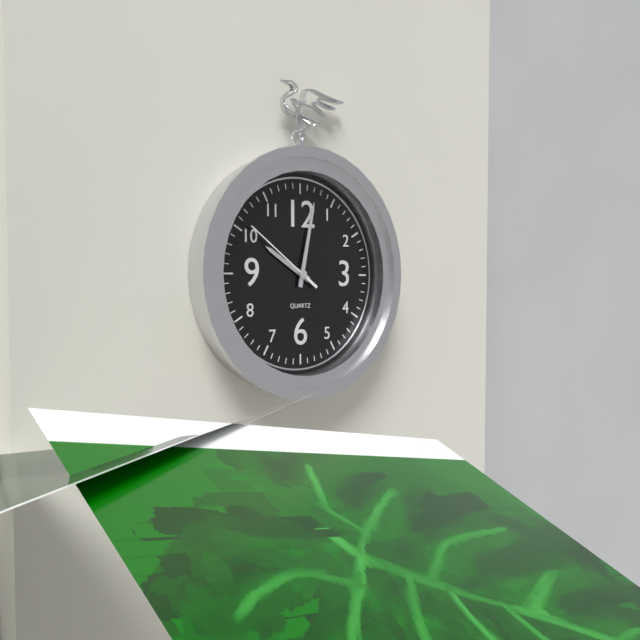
10:02:51
